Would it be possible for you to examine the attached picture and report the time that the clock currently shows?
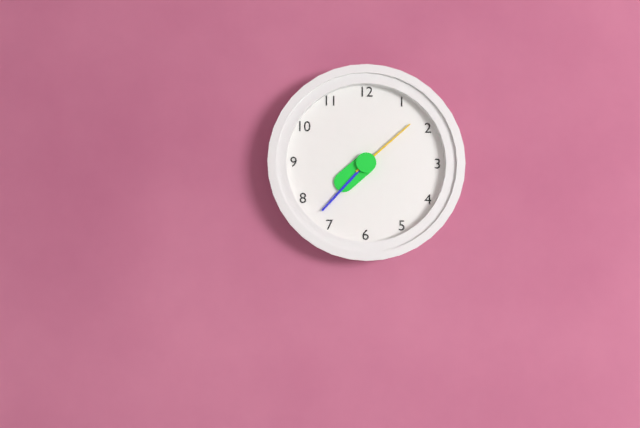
7:37:08
